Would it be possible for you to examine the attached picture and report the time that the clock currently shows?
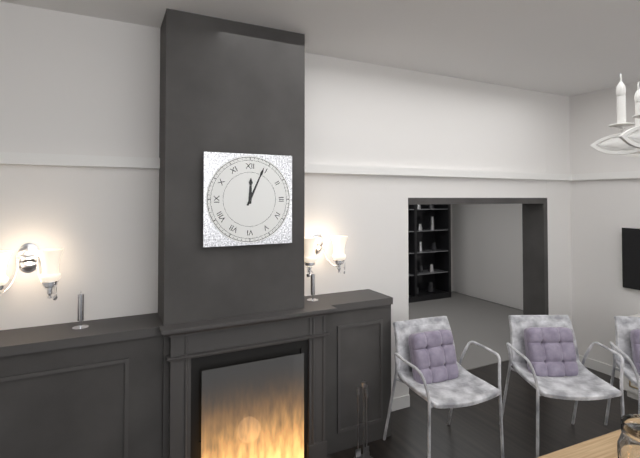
12:04
